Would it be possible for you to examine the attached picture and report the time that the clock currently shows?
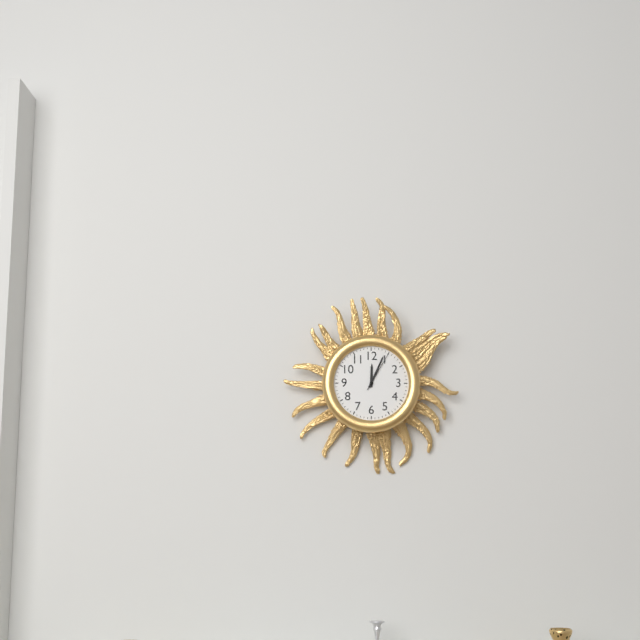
12:04
